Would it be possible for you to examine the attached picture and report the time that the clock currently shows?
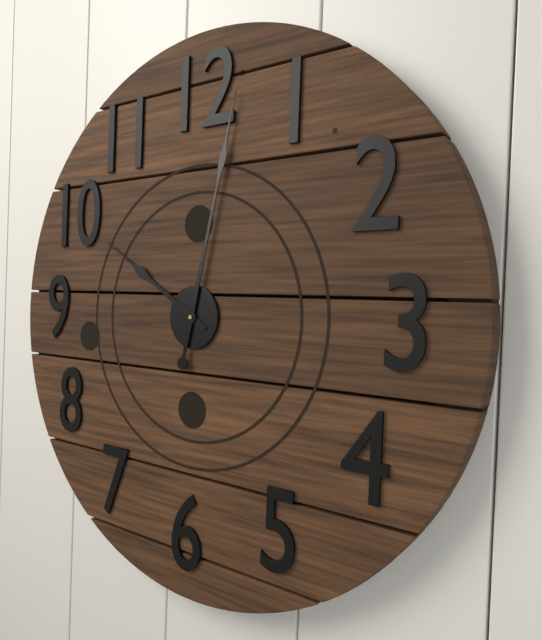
10:02
